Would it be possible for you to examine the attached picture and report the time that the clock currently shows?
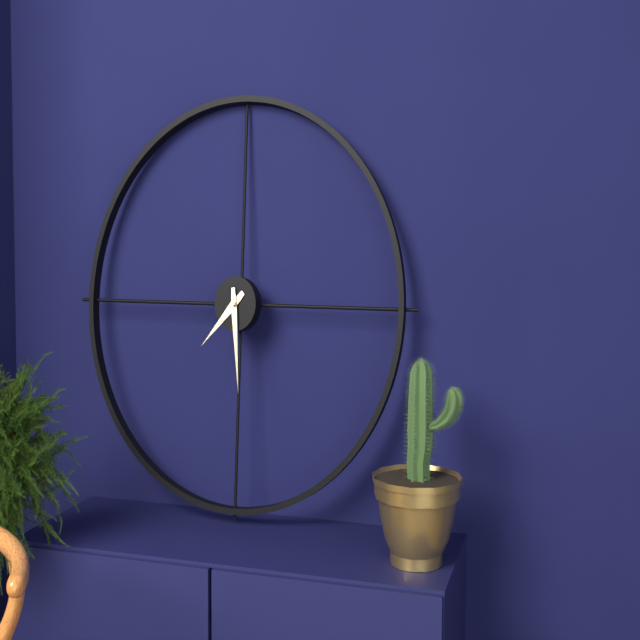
7:29
